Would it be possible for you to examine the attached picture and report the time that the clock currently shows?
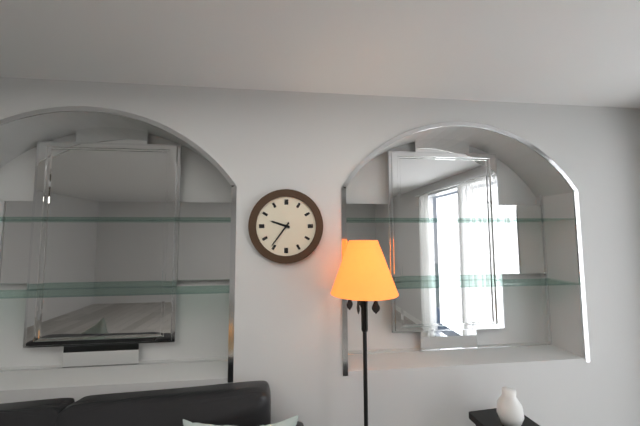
9:36
